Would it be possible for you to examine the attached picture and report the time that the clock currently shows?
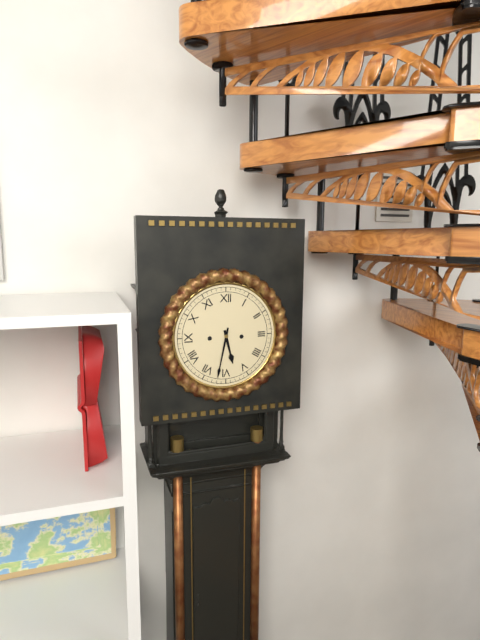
5:32
